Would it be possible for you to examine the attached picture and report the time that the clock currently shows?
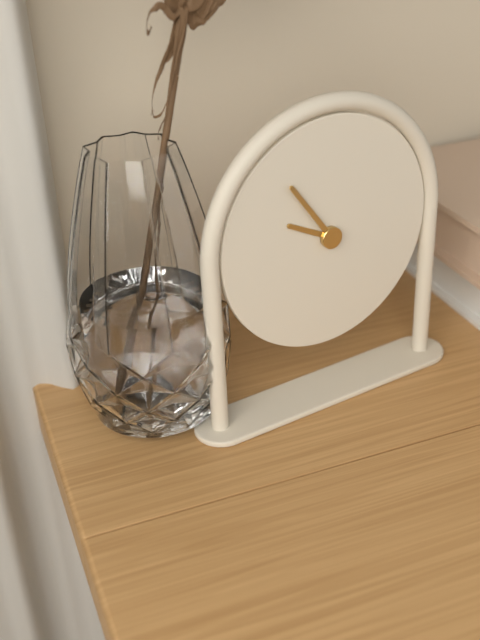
9:54
